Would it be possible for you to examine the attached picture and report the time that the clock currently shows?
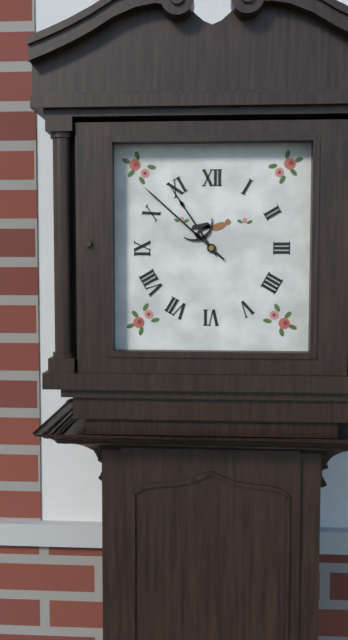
10:52
